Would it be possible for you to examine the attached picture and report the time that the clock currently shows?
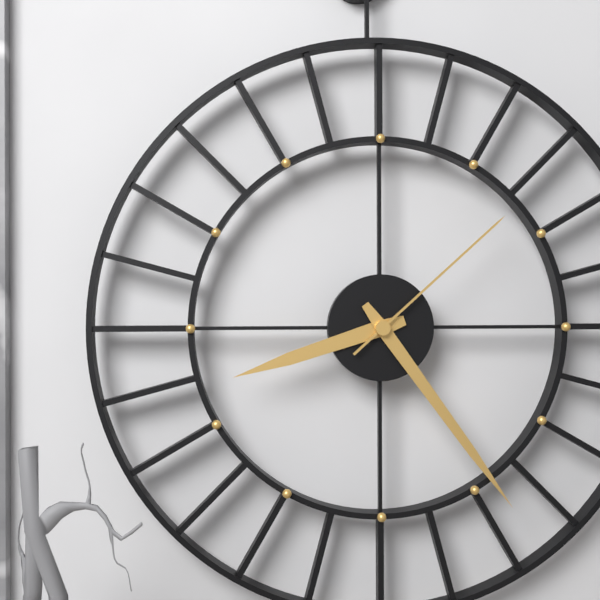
8:24:08
